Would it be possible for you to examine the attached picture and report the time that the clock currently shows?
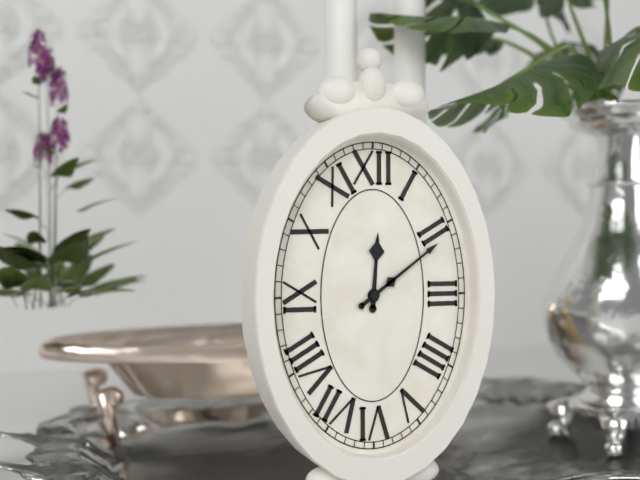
12:09
